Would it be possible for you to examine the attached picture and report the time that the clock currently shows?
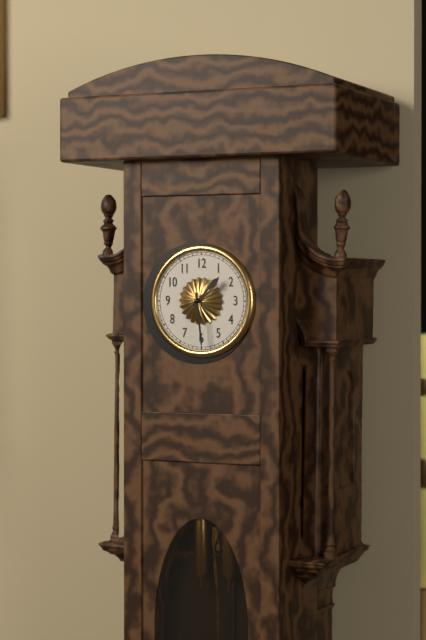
1:29
